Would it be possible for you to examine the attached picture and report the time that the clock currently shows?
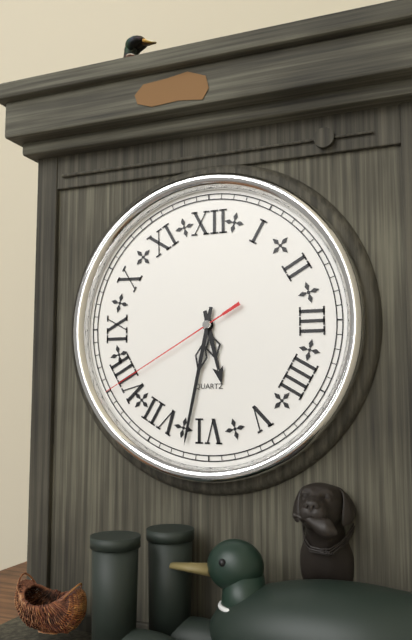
5:32:40
